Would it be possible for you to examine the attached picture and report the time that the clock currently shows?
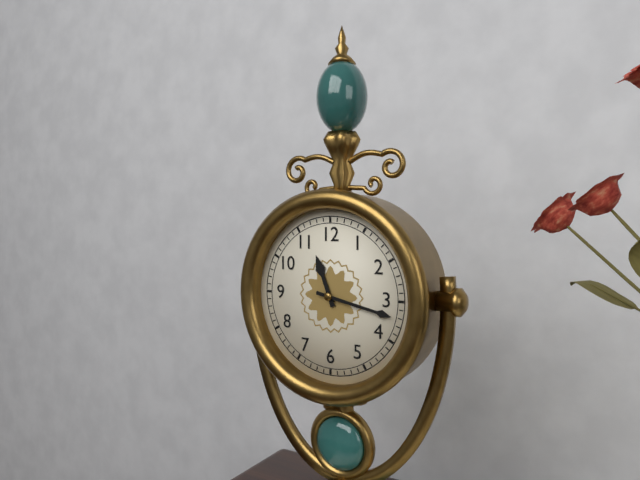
11:17
